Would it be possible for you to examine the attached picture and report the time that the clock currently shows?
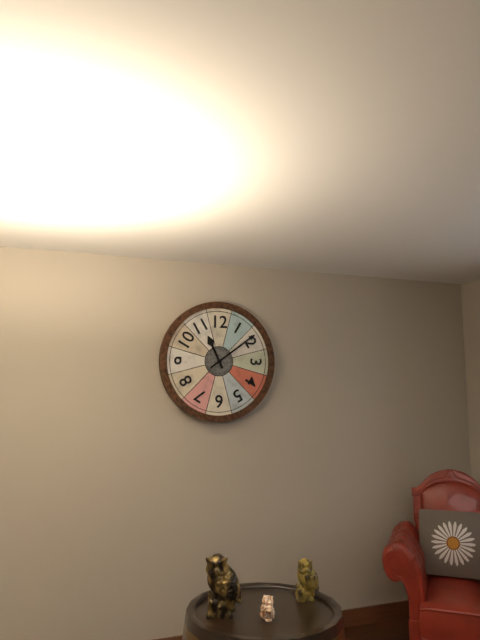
11:09
